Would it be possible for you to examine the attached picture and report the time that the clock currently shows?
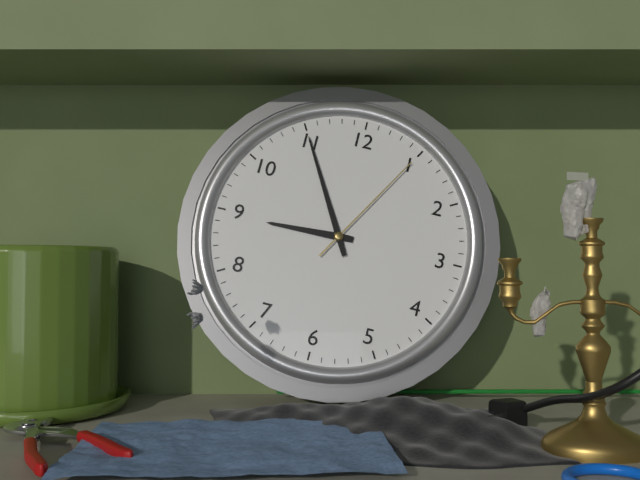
8:55:05
